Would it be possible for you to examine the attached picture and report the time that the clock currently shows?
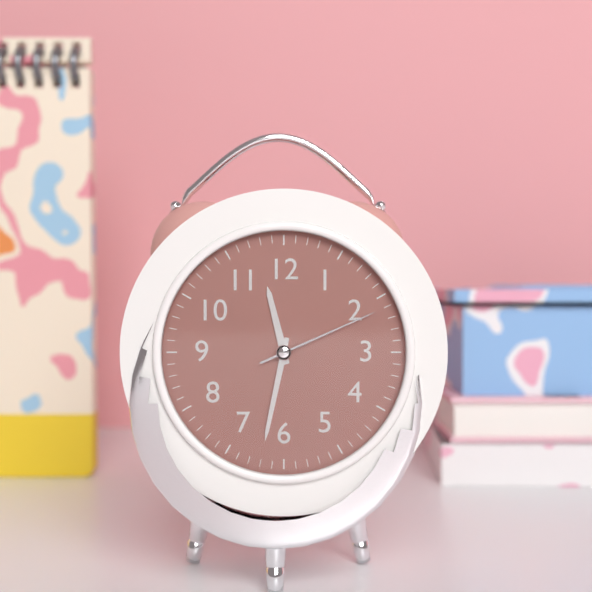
11:32:11
